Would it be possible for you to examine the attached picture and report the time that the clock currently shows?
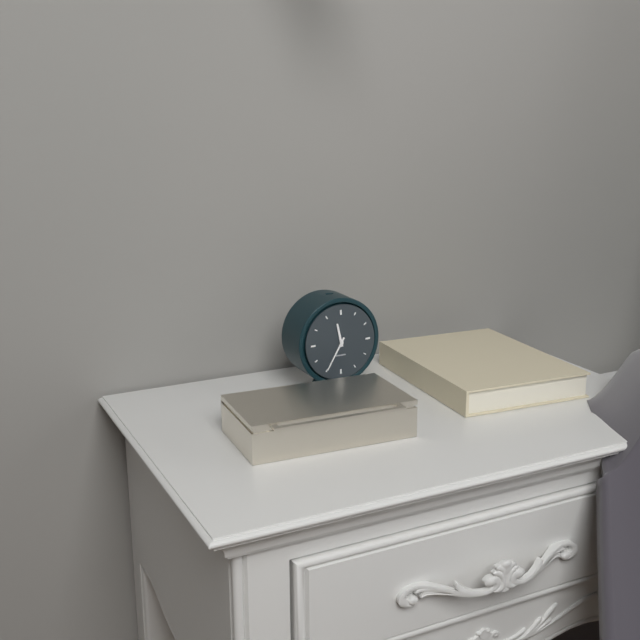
11:35
